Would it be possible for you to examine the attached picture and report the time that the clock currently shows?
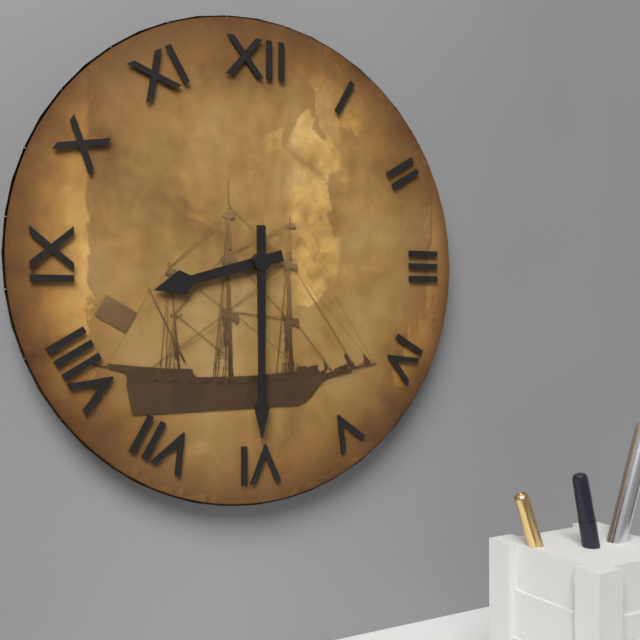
8:30
